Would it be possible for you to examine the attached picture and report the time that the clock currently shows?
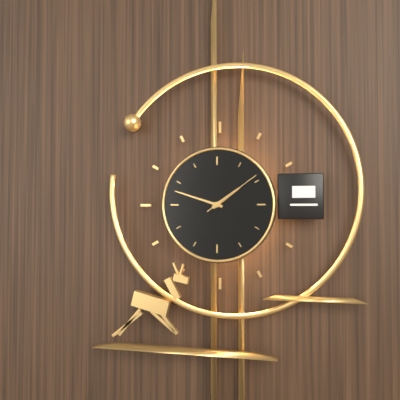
1:48:09
